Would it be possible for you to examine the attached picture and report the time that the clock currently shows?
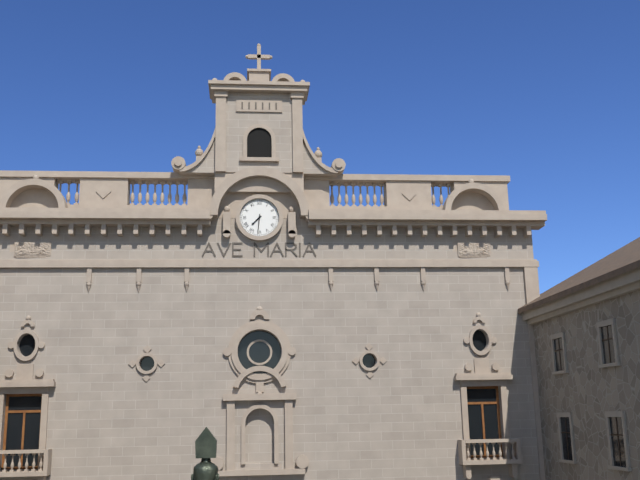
7:31
